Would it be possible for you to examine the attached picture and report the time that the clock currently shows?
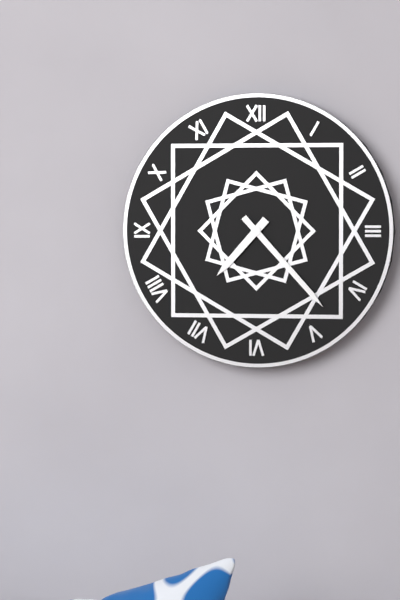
7:23
